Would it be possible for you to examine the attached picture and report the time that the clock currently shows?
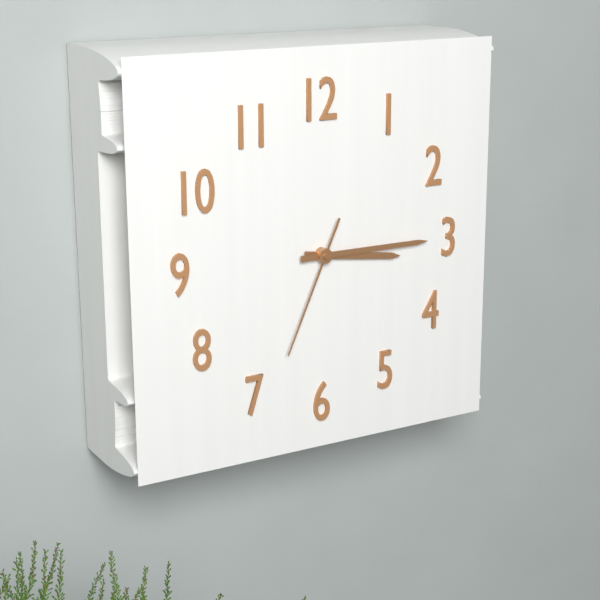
3:15:34
